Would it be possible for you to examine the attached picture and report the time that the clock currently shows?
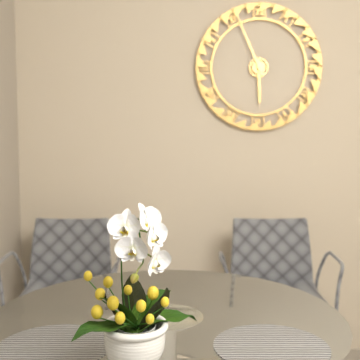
5:56
